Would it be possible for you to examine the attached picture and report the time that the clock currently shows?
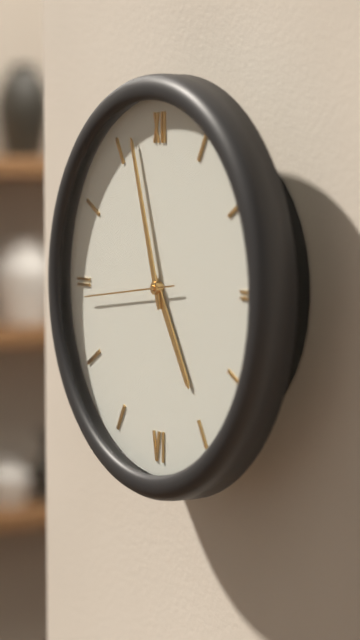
4:57:44
